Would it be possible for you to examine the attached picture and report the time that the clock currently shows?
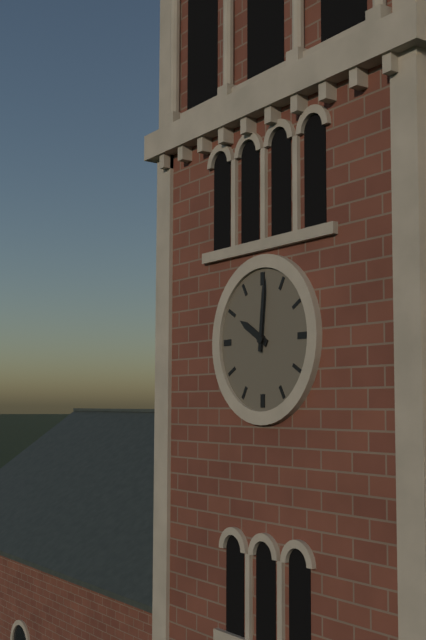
10:01
